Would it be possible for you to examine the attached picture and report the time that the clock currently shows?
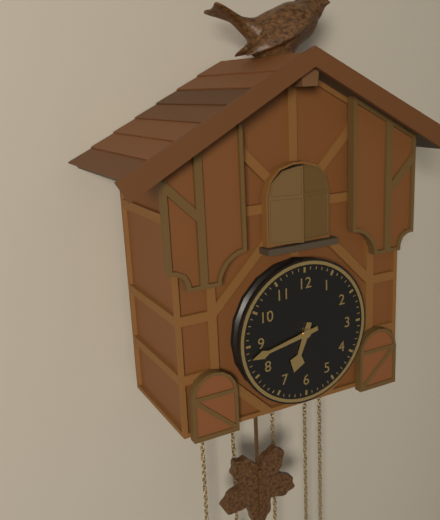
6:43
